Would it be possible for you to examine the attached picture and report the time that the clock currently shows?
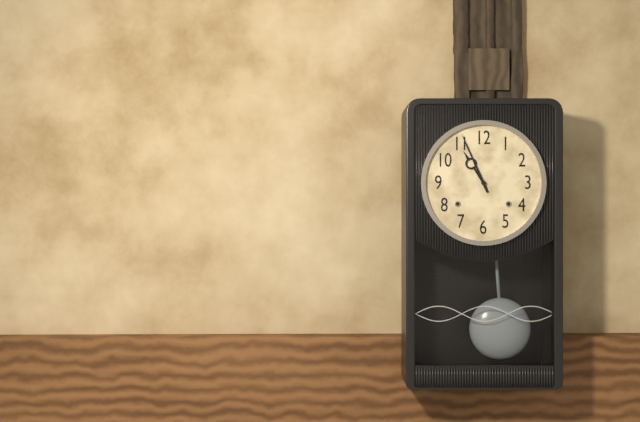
10:56
